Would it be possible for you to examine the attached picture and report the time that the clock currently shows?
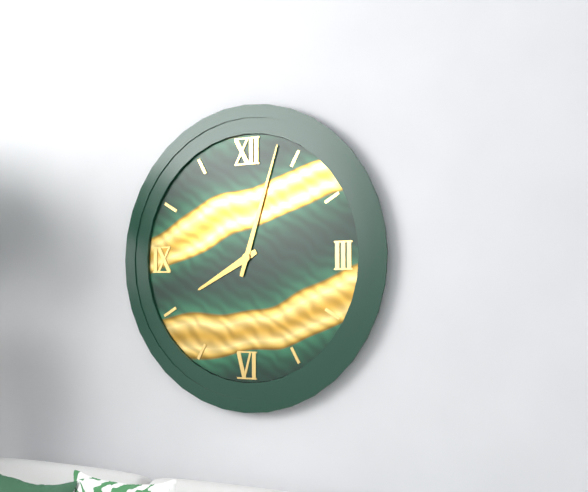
8:03
